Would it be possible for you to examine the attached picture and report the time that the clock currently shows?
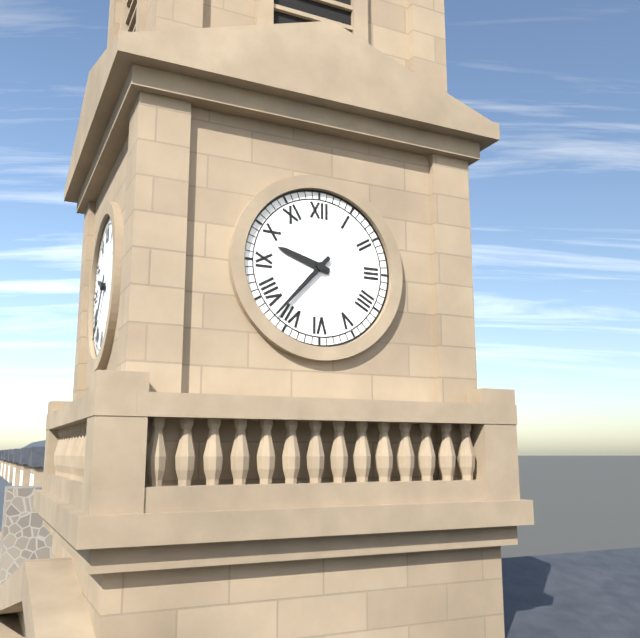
9:37
